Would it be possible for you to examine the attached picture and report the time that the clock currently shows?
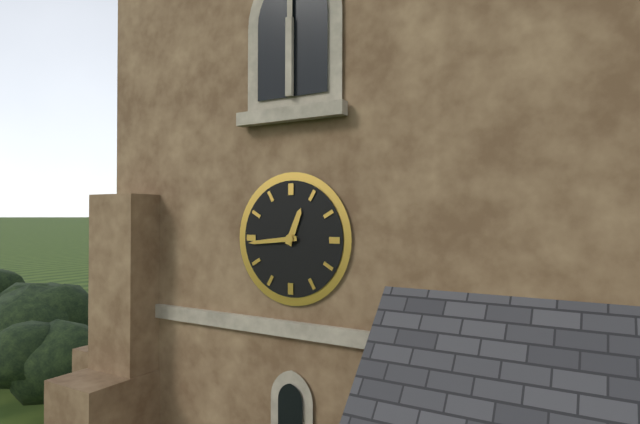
12:44
